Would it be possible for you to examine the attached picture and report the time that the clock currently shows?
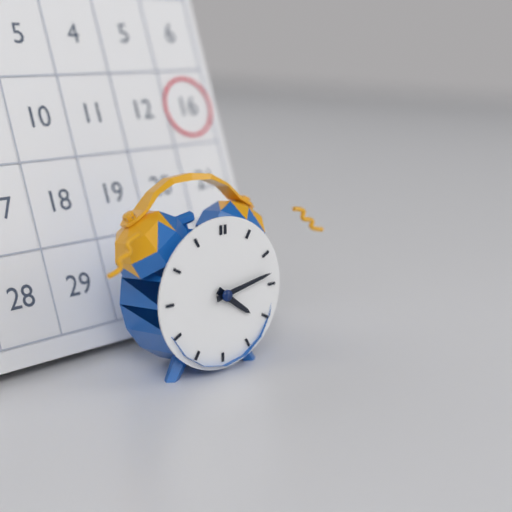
4:13
